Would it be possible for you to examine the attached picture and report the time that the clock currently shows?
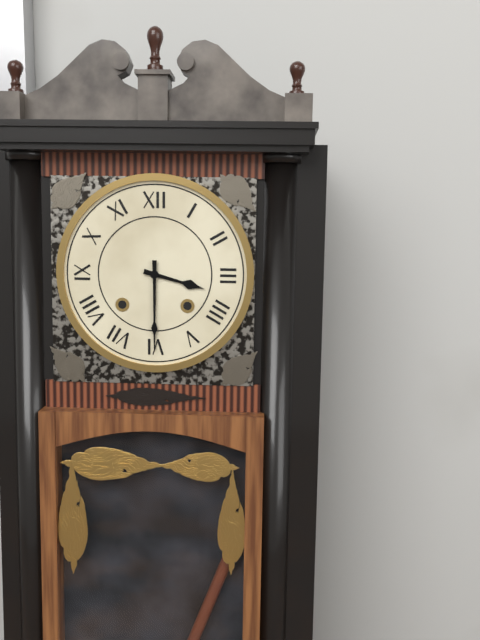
3:30
